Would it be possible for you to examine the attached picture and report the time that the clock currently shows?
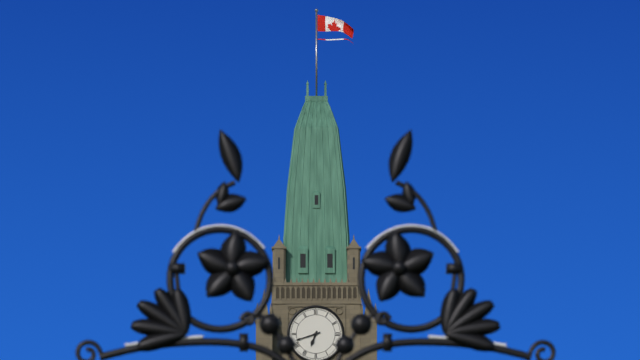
6:42
